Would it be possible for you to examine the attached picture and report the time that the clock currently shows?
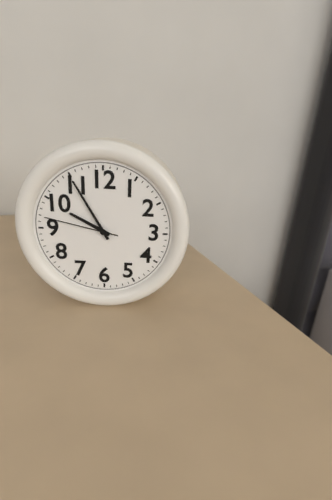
9:55:47
